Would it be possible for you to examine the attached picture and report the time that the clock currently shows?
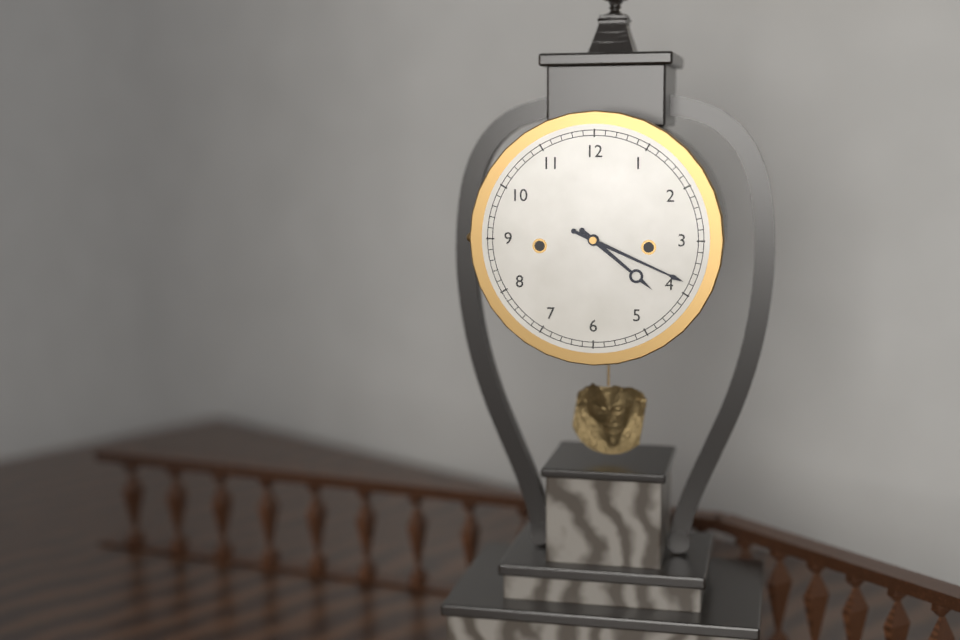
4:19
